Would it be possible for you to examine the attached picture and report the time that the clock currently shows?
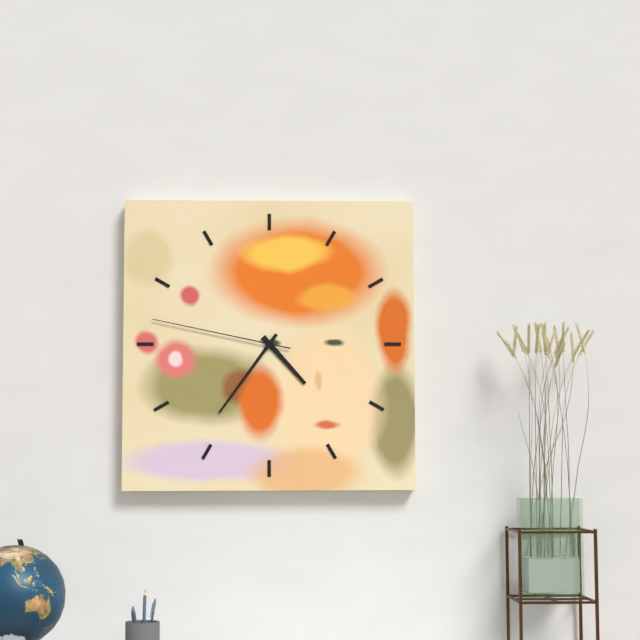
4:36:47
